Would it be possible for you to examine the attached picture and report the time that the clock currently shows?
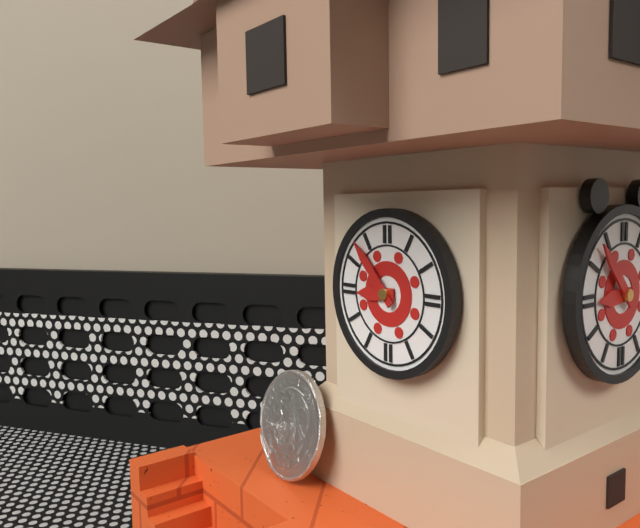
8:53
